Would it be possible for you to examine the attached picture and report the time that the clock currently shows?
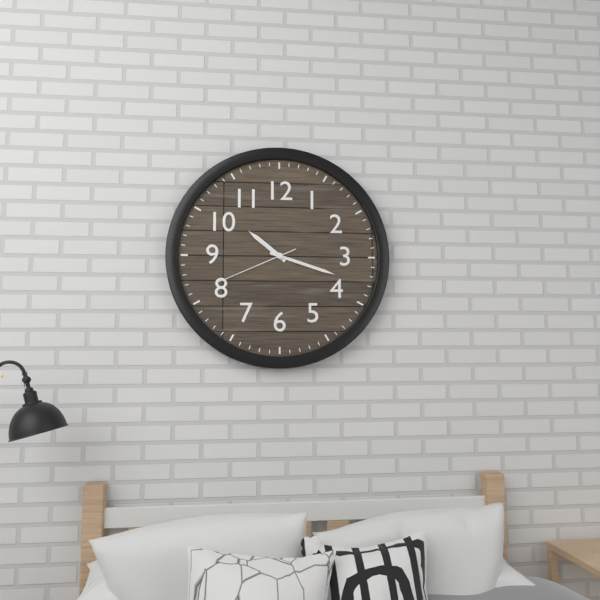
10:18:41
